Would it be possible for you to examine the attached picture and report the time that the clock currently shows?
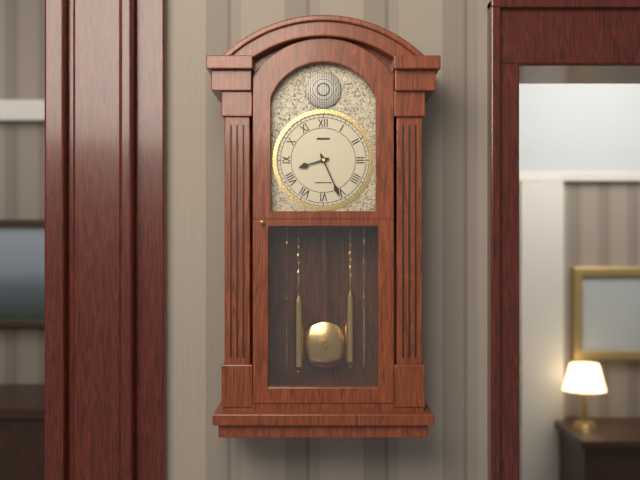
8:26
